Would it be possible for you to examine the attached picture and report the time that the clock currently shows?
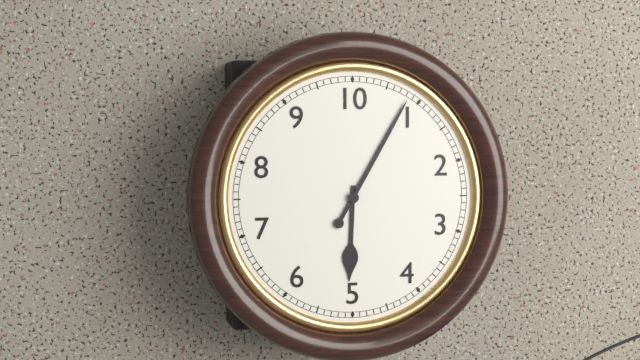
6:05
